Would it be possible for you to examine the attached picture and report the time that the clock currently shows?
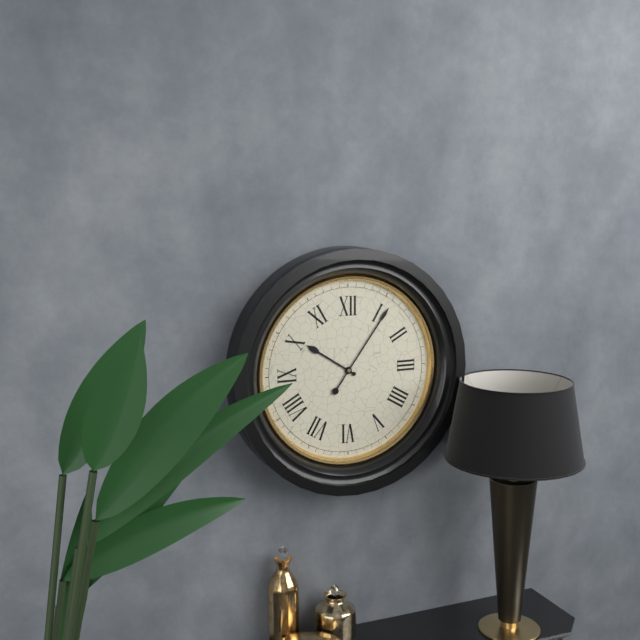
10:06
